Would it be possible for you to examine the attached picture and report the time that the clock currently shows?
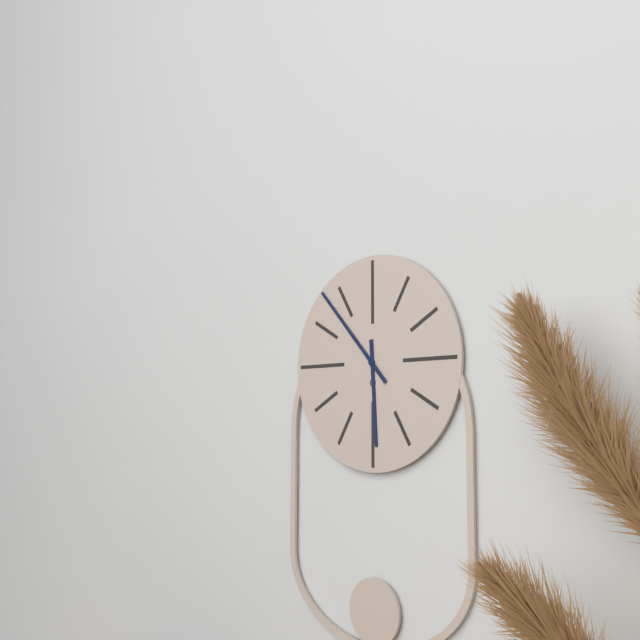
5:53
